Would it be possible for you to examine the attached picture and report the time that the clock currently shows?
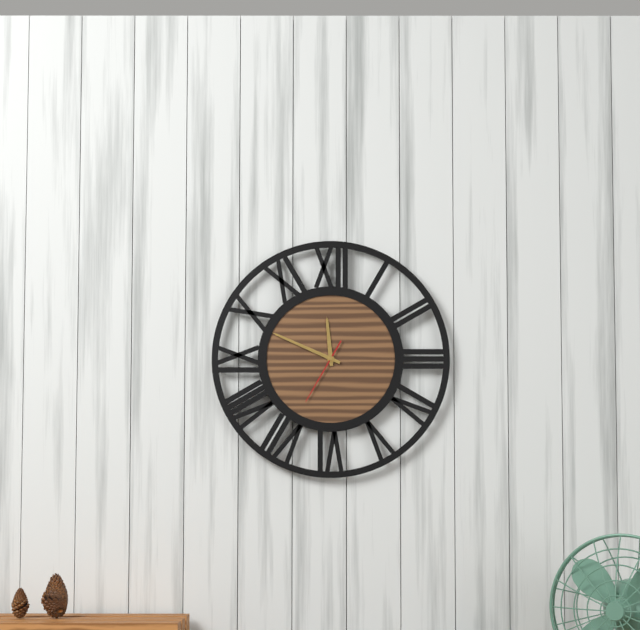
11:49:35
